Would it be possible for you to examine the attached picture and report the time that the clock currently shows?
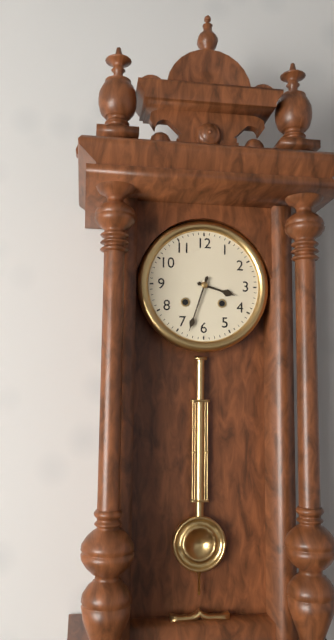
3:33
